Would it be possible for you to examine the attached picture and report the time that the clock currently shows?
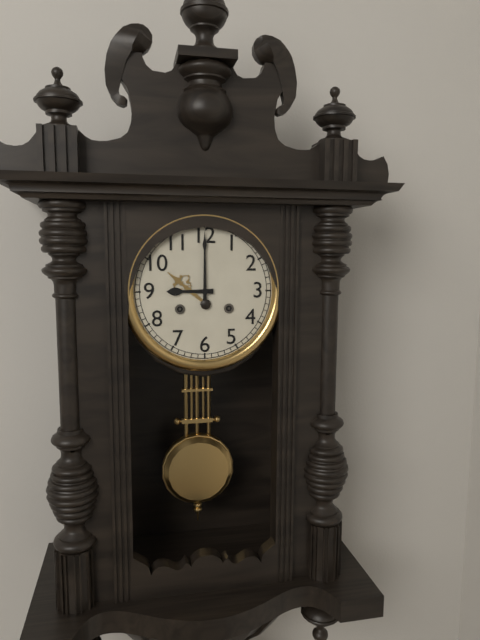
9:00
